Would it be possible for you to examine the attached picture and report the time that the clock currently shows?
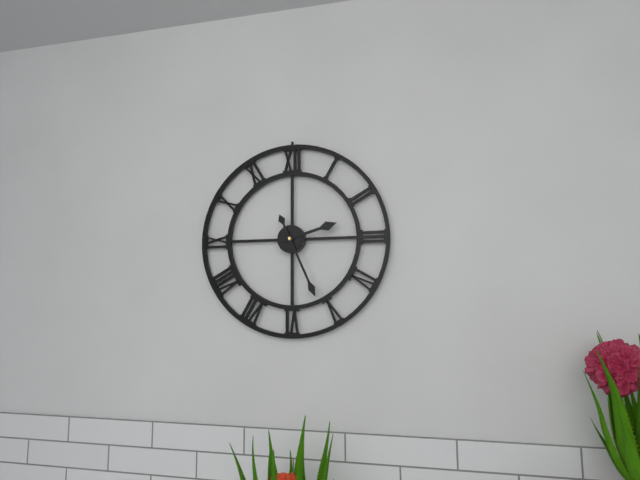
2:26
